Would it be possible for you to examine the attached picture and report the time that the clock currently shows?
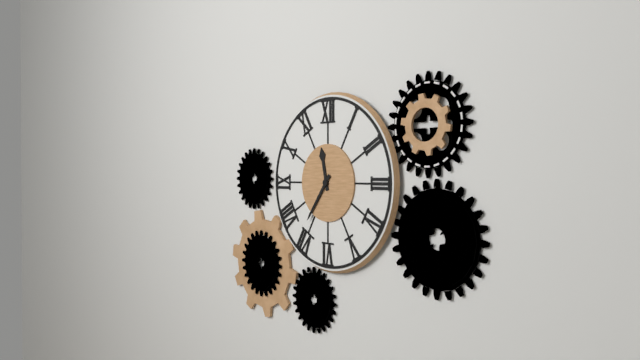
11:36
